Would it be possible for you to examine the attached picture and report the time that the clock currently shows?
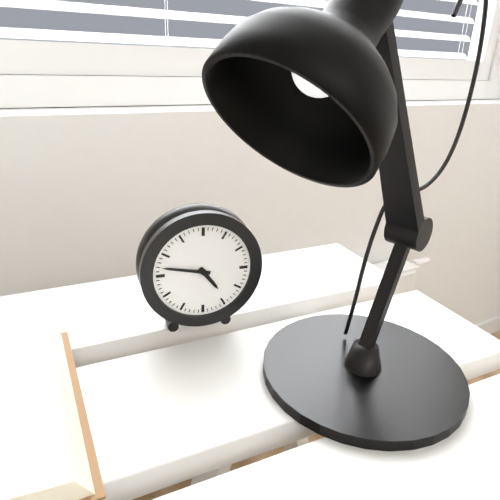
4:47
